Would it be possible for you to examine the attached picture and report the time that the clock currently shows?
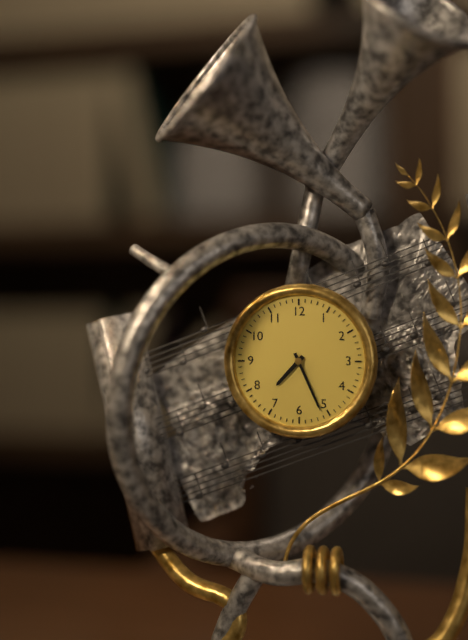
7:26
